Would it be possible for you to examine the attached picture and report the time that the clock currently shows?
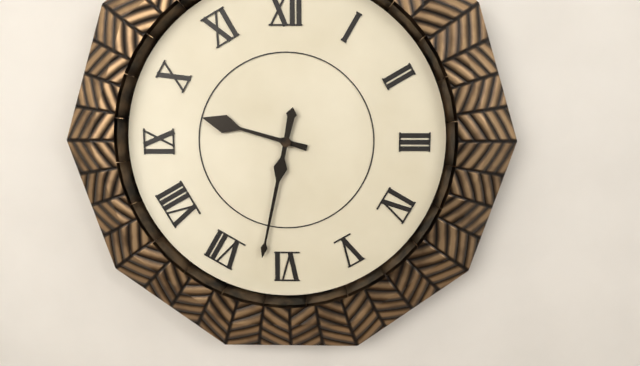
9:32
